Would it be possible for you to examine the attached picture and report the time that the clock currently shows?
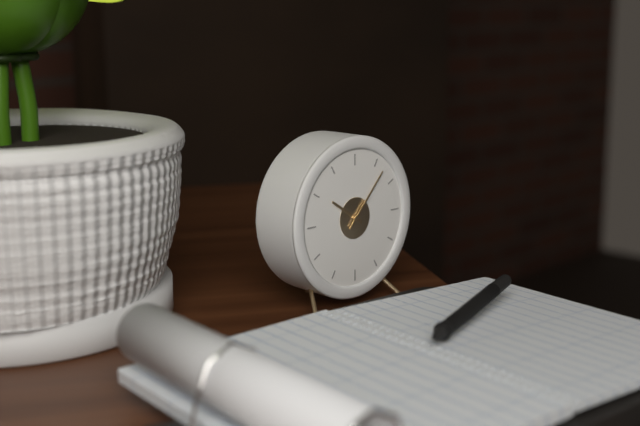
10:07
